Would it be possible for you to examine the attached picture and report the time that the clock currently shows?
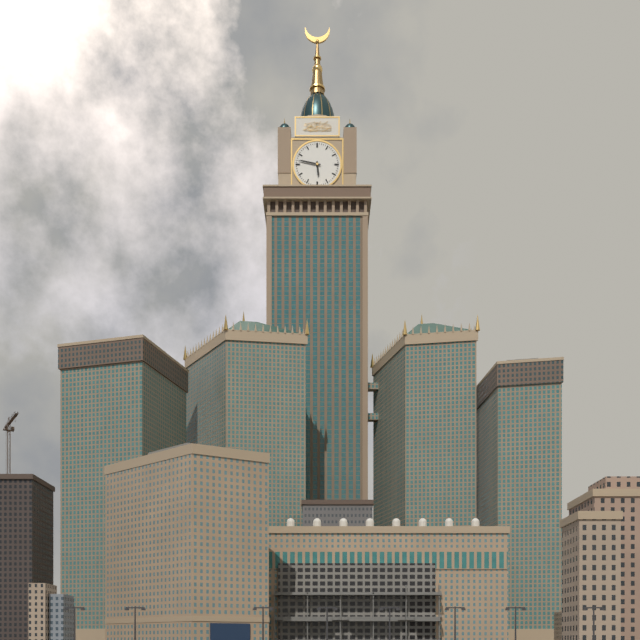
5:47
